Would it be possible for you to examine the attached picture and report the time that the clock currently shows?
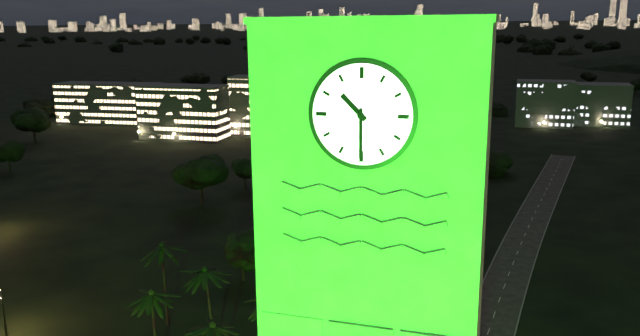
10:30
